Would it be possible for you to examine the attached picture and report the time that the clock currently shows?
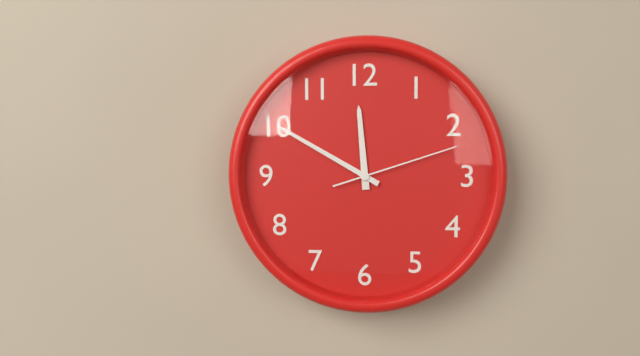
11:50:12
